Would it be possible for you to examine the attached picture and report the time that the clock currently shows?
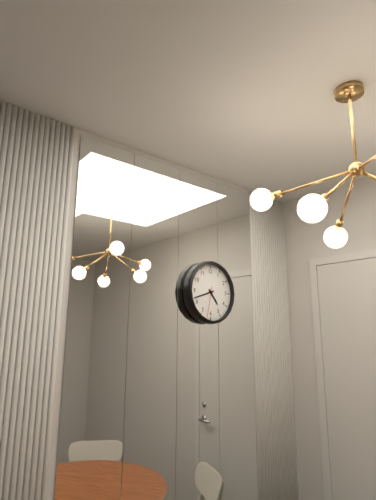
4:42
